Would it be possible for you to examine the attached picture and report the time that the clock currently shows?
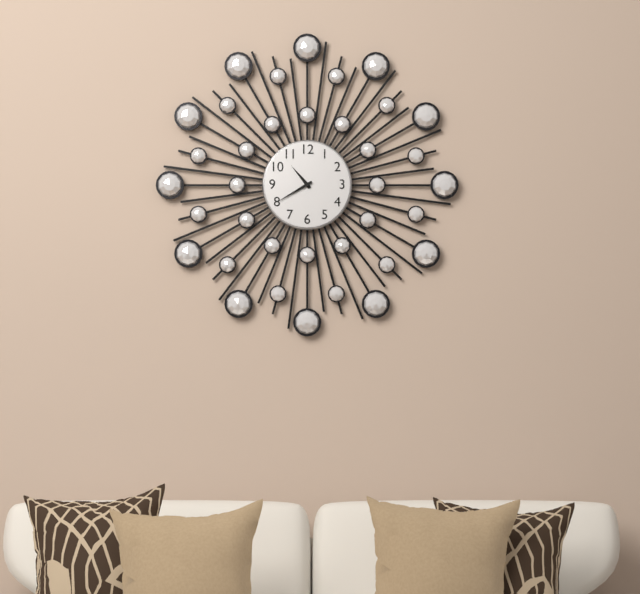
10:40
